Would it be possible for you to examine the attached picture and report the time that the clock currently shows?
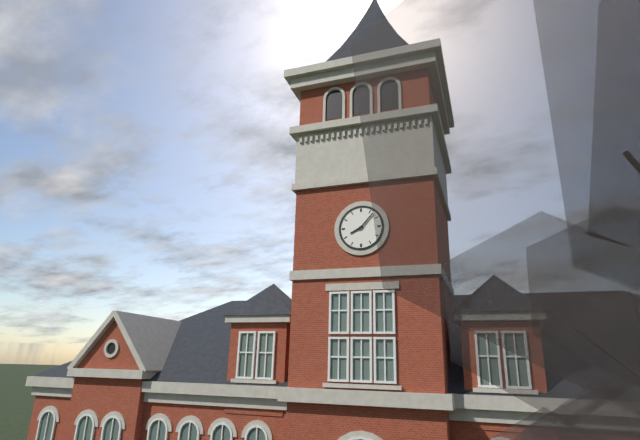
8:07
